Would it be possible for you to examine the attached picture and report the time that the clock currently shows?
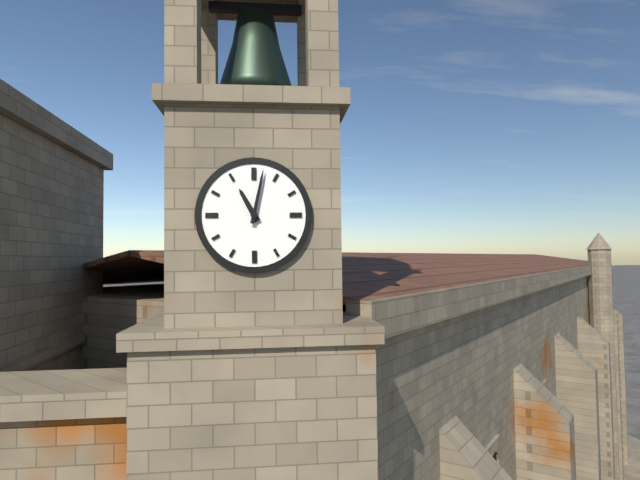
11:02
